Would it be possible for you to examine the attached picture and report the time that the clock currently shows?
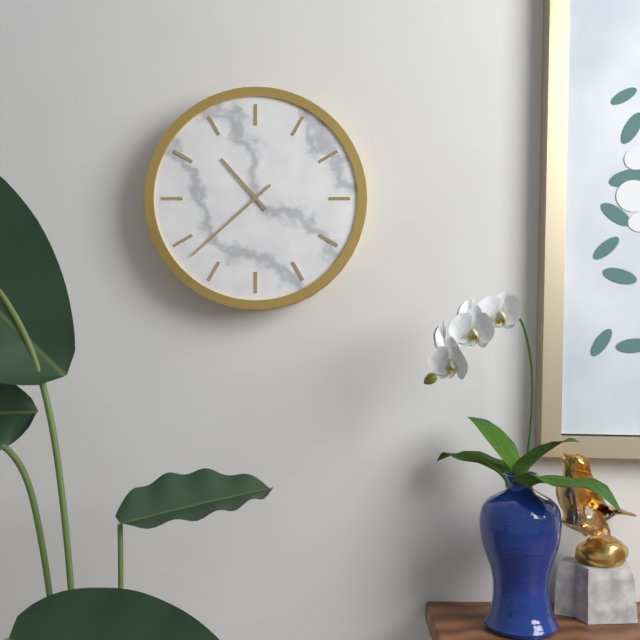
10:38
